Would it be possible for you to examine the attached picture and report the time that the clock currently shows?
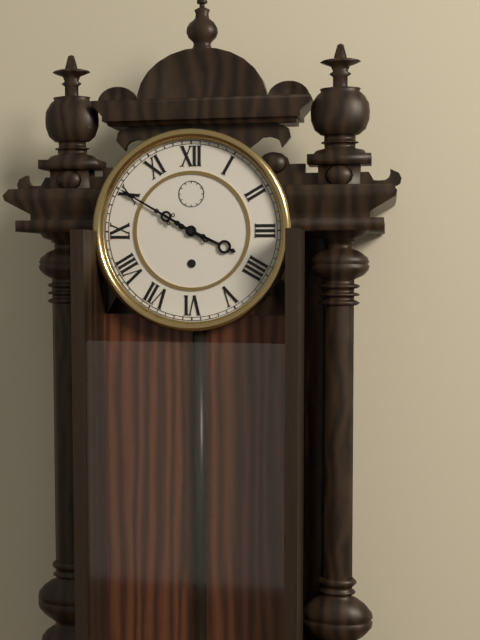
3:50
